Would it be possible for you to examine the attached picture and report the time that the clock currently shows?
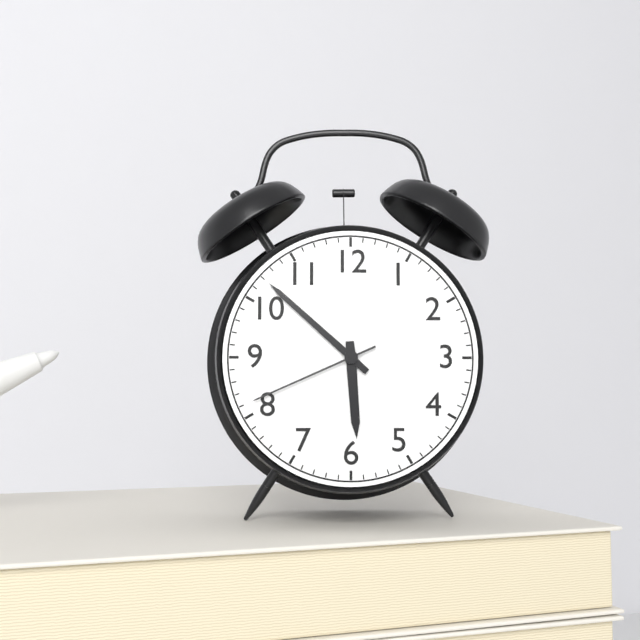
5:52:41
